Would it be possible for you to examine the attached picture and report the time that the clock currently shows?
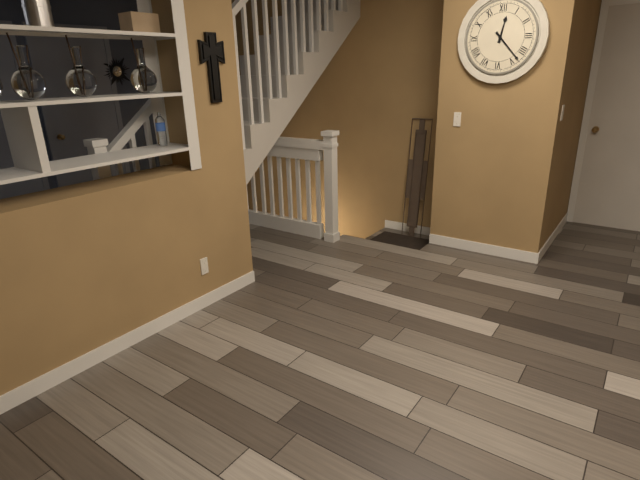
12:23
